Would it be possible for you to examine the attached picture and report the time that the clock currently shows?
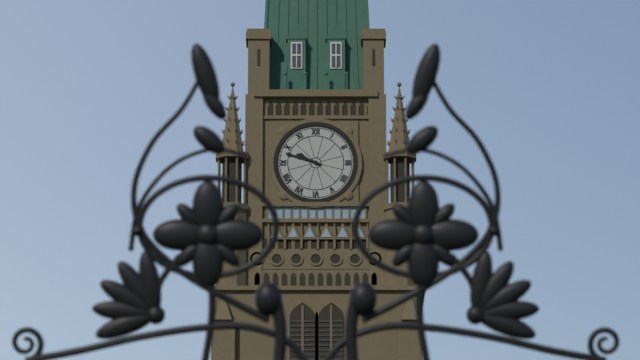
9:48
